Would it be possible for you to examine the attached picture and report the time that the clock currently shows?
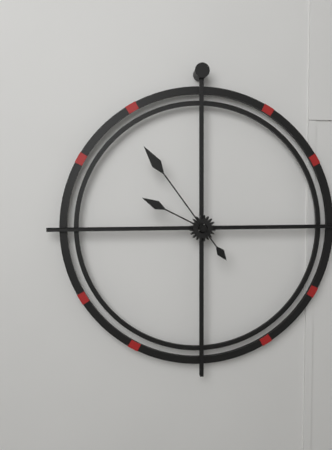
9:54
